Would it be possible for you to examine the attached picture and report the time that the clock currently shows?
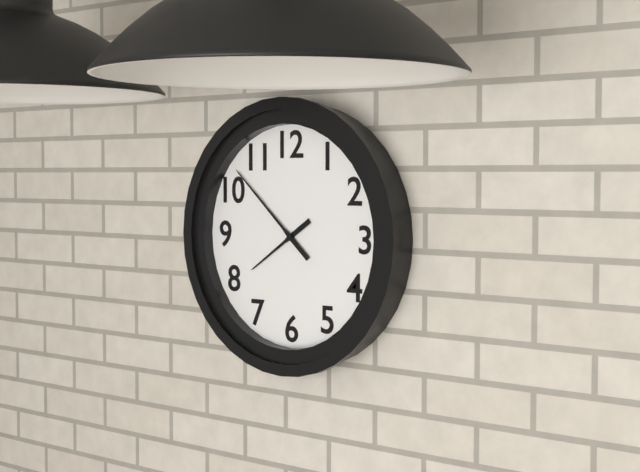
7:52
